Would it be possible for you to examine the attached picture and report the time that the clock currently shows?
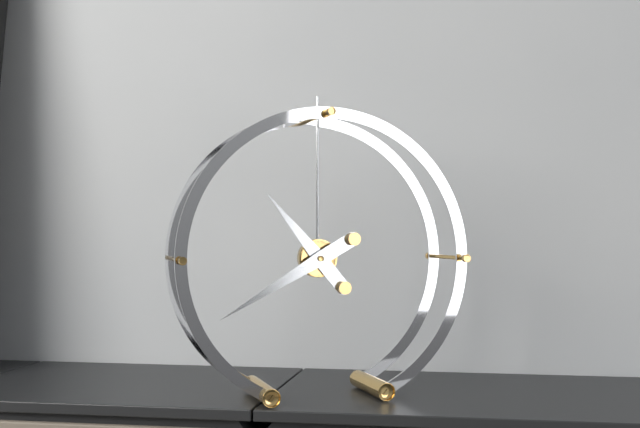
10:40
